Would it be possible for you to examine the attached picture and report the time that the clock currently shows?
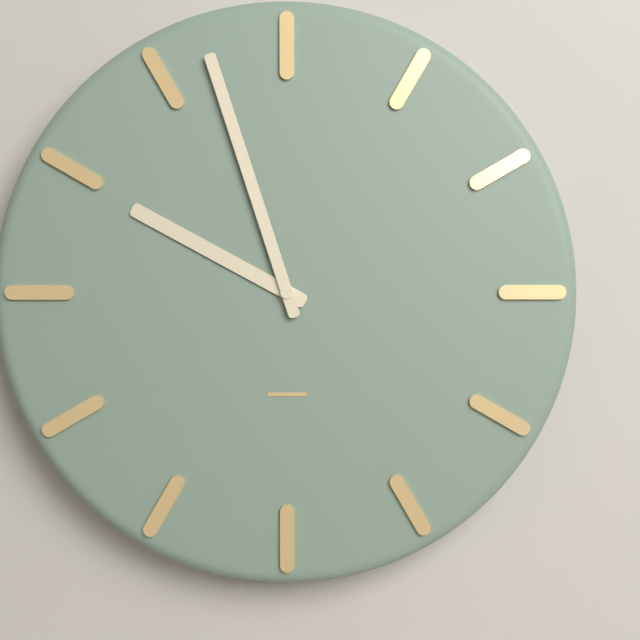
9:57
